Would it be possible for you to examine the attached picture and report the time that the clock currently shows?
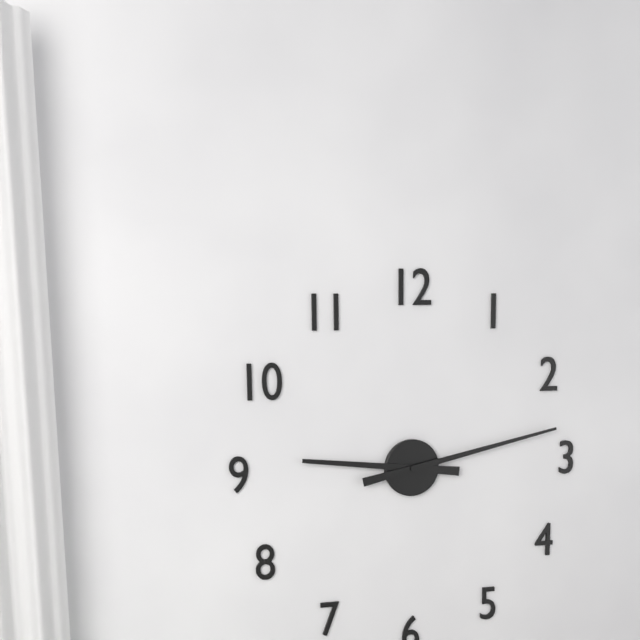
9:13
